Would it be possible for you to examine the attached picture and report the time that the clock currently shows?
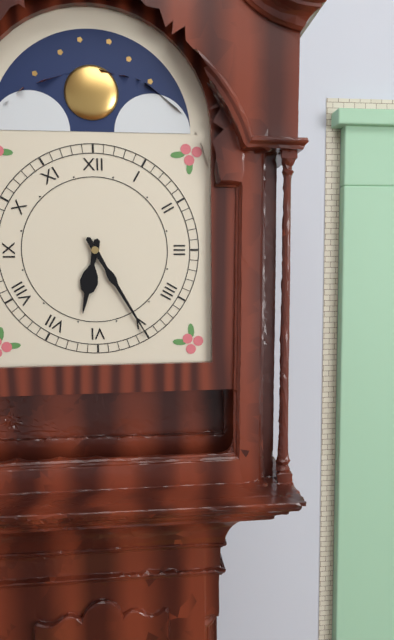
6:25
